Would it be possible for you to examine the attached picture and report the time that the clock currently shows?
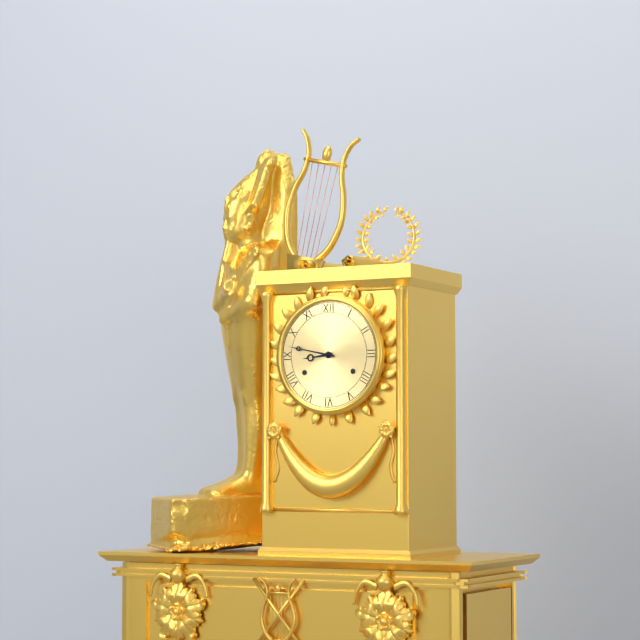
8:47
